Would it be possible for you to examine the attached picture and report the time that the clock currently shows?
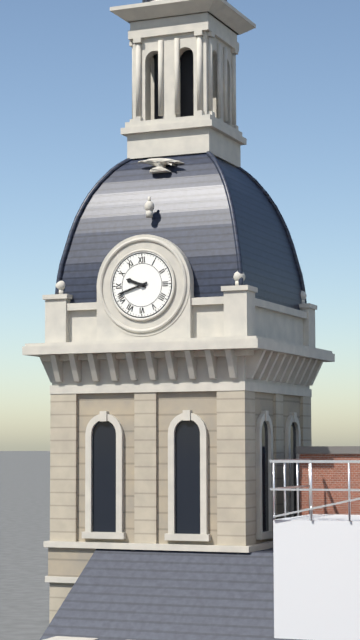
9:42
